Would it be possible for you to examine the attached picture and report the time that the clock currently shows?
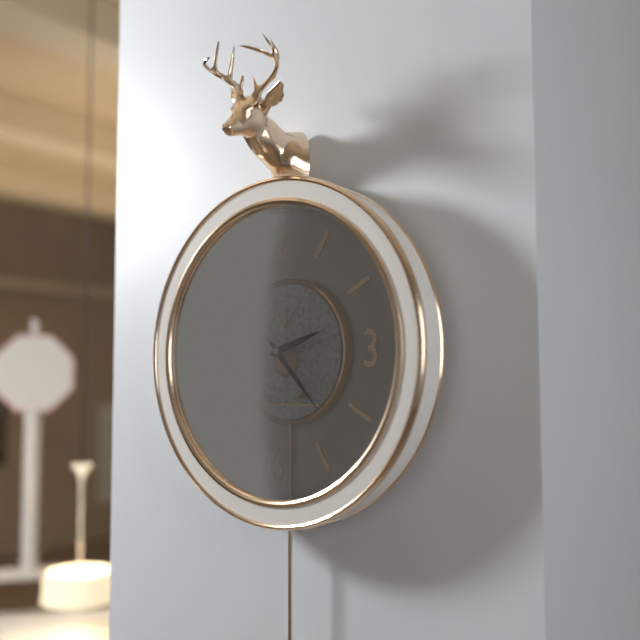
2:23
